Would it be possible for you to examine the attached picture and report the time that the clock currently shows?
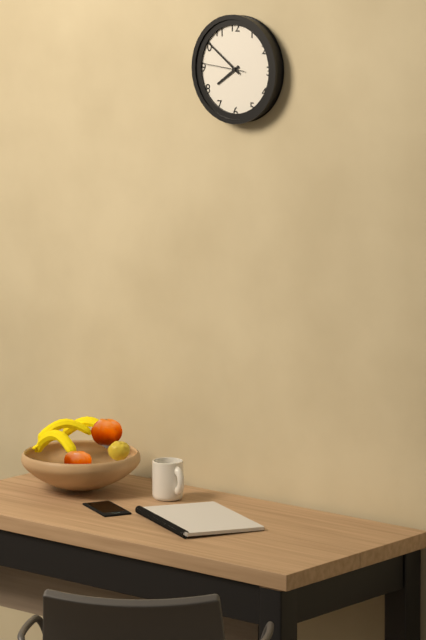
7:51
